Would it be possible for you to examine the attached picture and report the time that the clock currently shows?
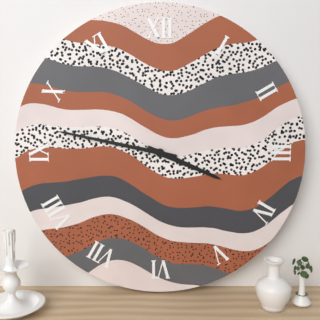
3:47
